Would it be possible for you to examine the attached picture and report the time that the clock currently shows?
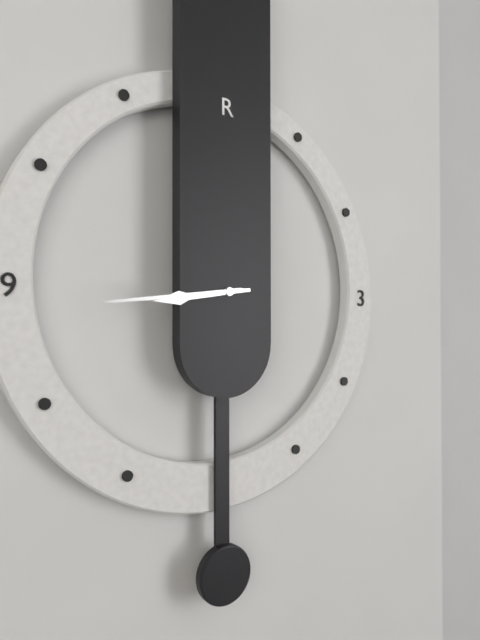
8:44
